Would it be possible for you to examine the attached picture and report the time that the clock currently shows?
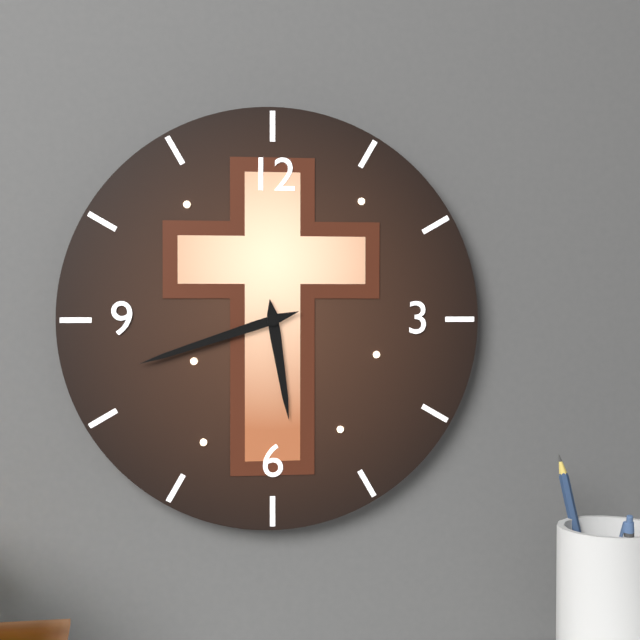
5:42
